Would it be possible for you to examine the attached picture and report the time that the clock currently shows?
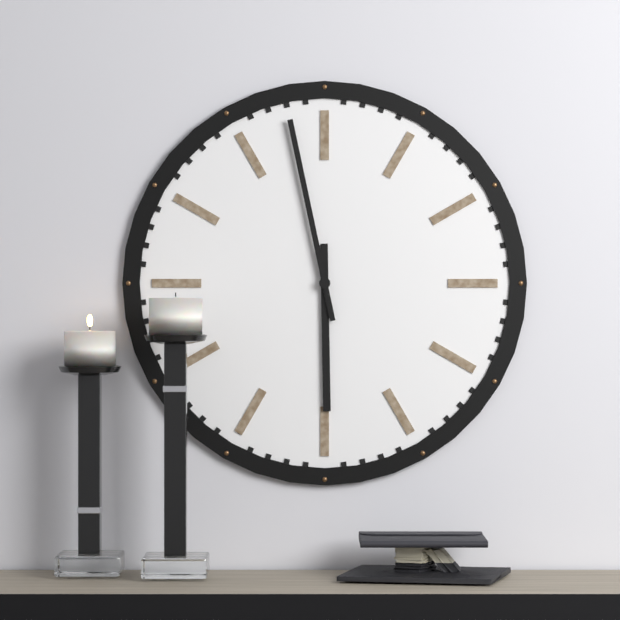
5:58
